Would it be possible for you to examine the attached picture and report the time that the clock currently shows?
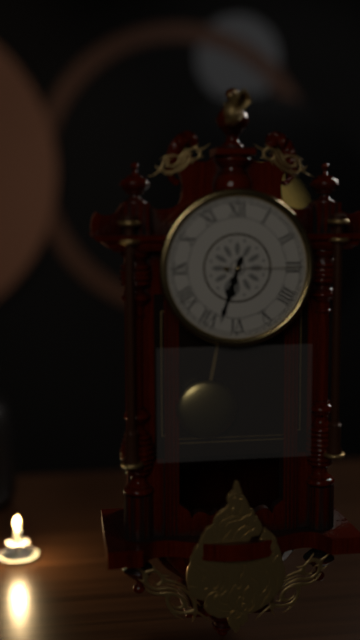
6:33:15
